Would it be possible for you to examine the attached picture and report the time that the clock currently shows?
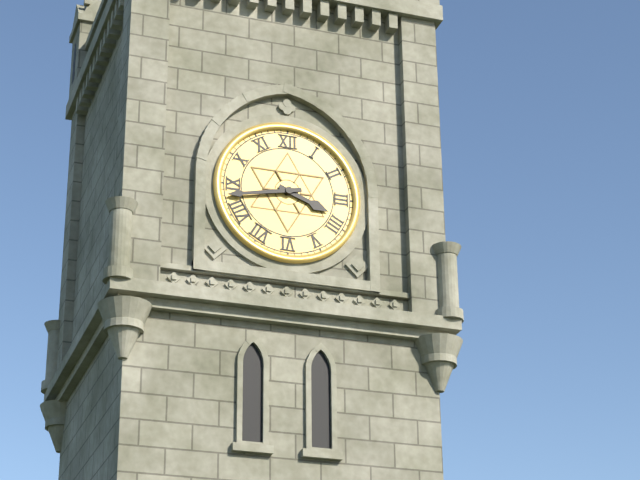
3:43
